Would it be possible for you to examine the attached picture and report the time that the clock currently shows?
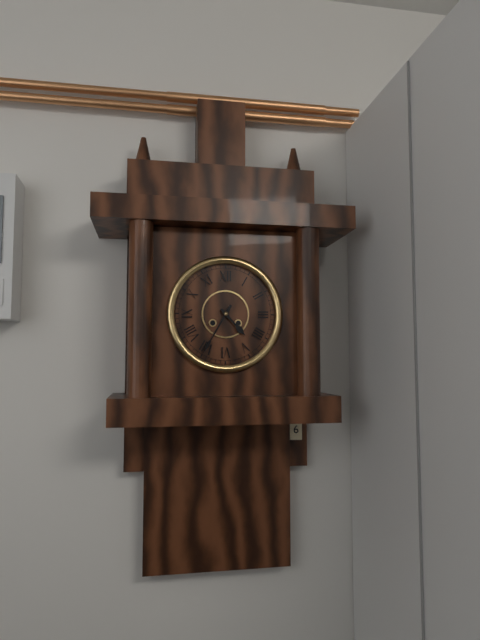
4:35
